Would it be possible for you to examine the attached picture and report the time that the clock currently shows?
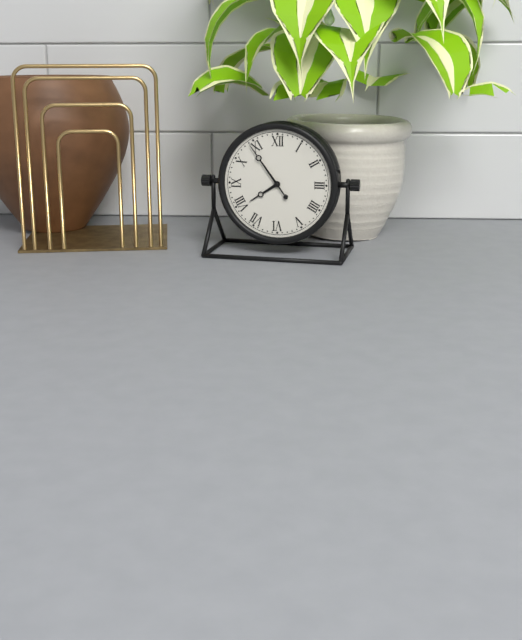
7:54
